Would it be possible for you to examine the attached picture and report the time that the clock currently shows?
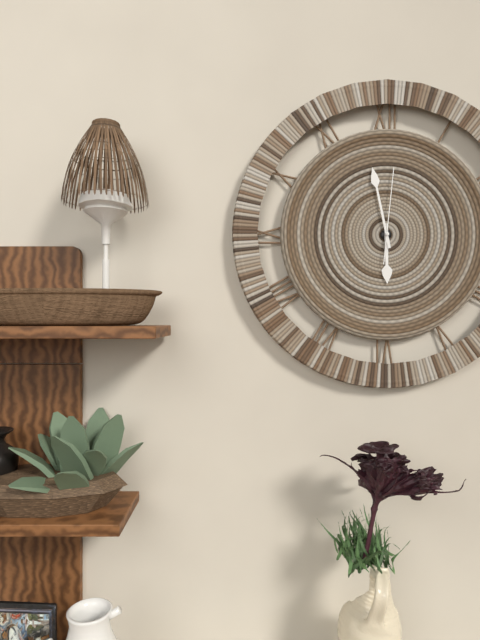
5:58:01
